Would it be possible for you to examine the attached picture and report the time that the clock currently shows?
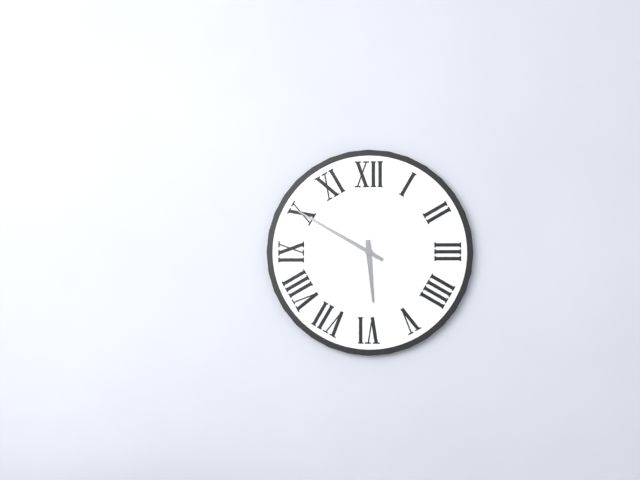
5:50
